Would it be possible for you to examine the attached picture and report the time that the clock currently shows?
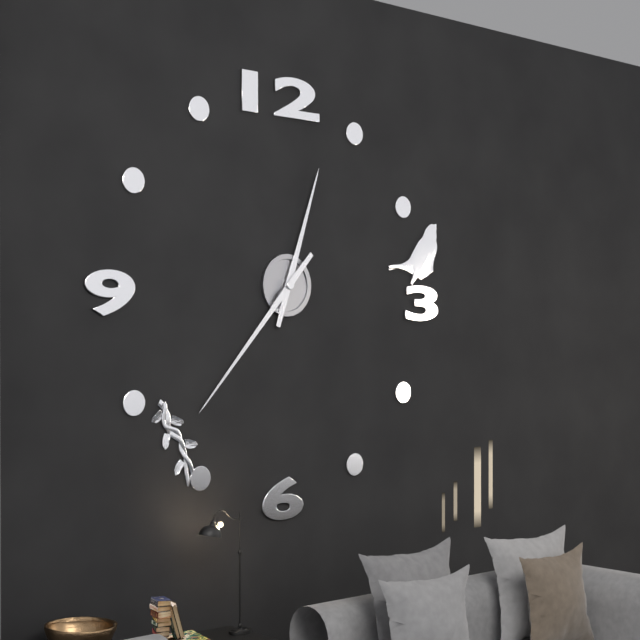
12:37
